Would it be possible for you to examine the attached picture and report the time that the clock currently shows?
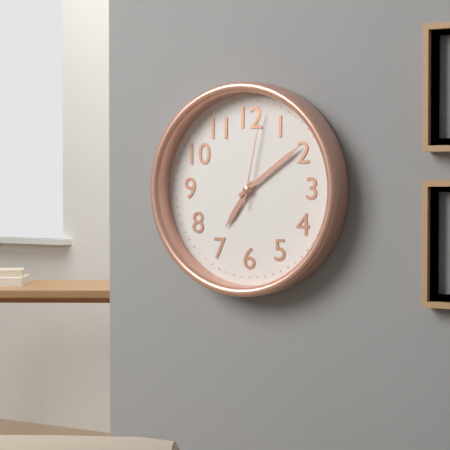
7:09:02
